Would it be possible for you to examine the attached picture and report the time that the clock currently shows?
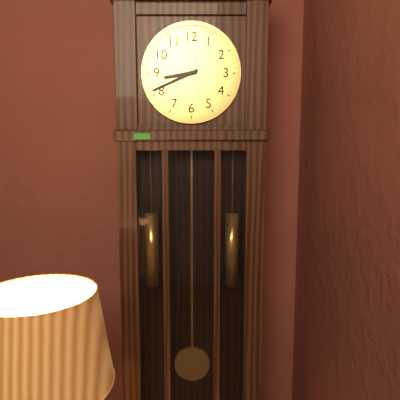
8:41
